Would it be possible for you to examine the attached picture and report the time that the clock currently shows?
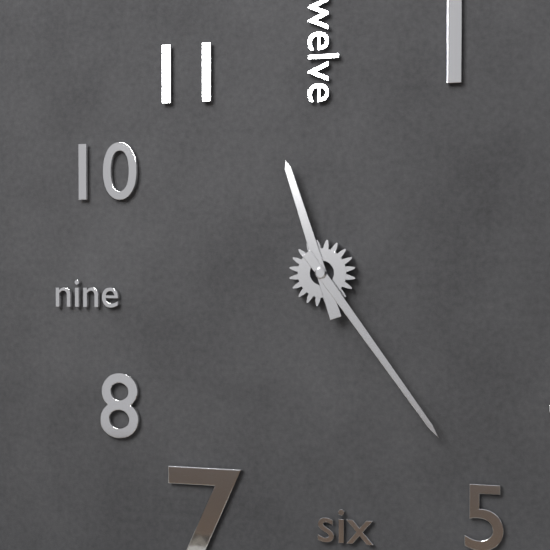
11:24
